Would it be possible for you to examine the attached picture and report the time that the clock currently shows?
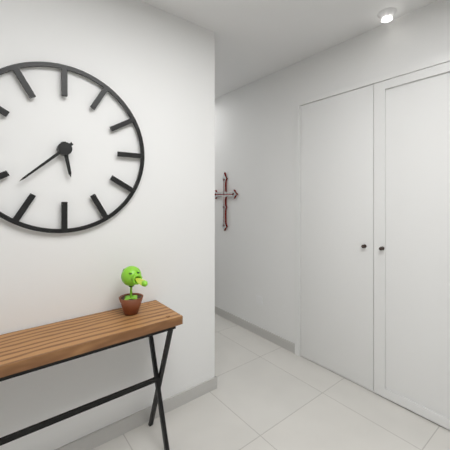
5:38
